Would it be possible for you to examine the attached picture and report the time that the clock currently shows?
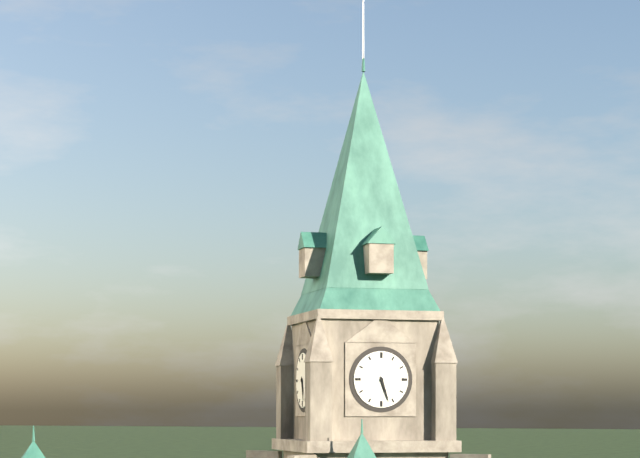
5:27
